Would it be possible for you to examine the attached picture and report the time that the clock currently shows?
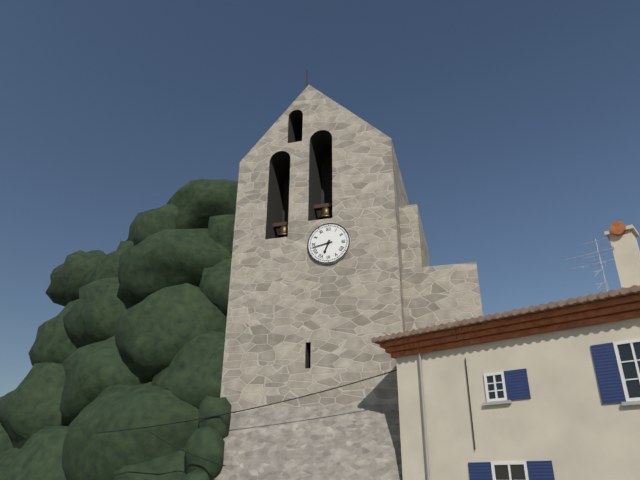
6:43
